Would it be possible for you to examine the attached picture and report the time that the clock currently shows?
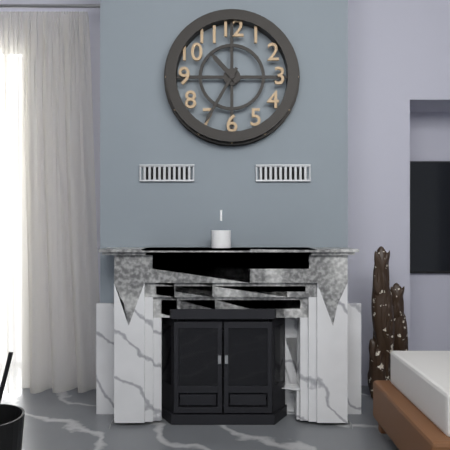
10:35
